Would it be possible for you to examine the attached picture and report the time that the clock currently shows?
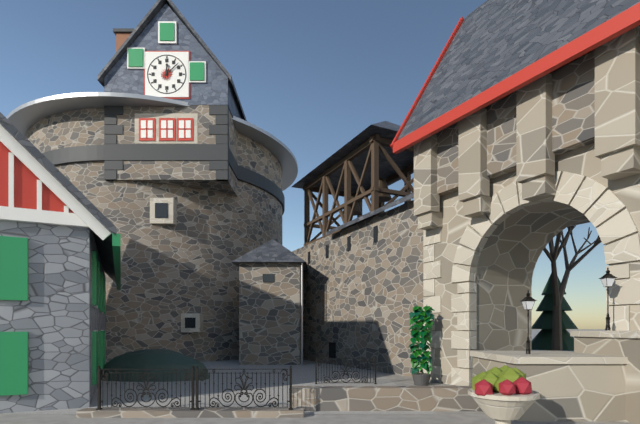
12:08
